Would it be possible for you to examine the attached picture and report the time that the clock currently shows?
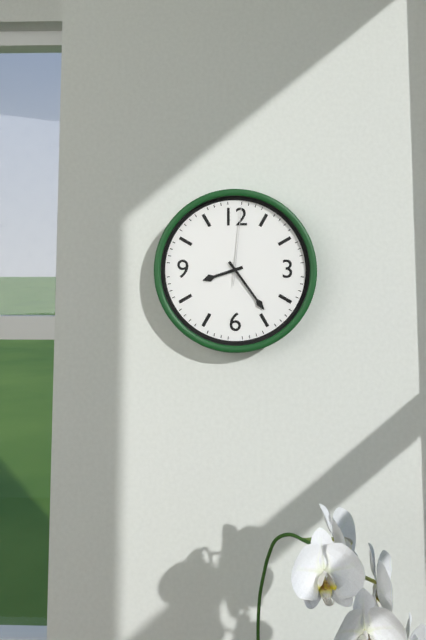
8:24:01
